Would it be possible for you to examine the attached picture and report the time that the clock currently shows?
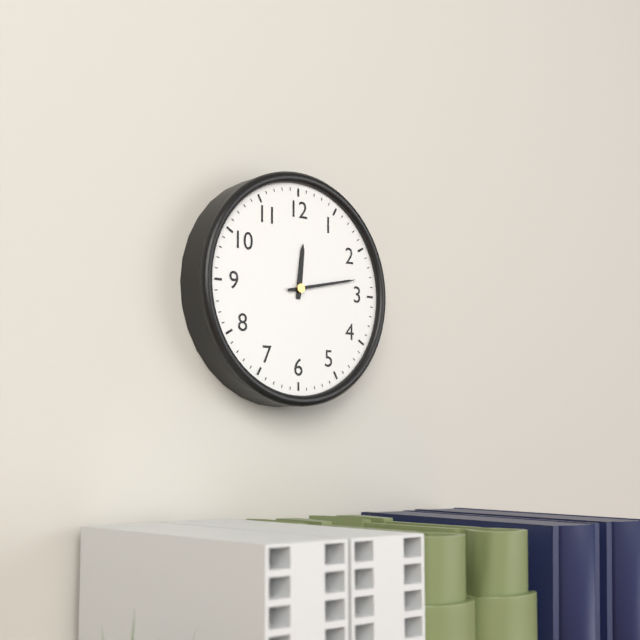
12:13
